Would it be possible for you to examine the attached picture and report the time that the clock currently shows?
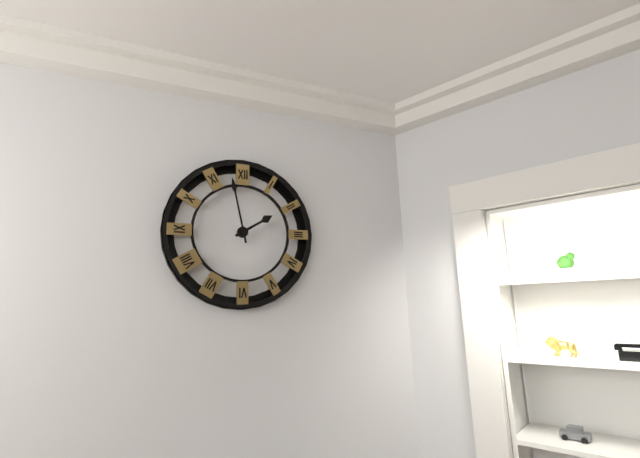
1:58
